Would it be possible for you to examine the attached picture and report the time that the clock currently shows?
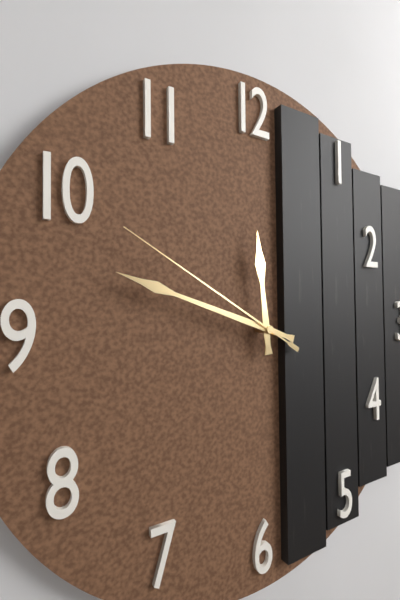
11:48:50
